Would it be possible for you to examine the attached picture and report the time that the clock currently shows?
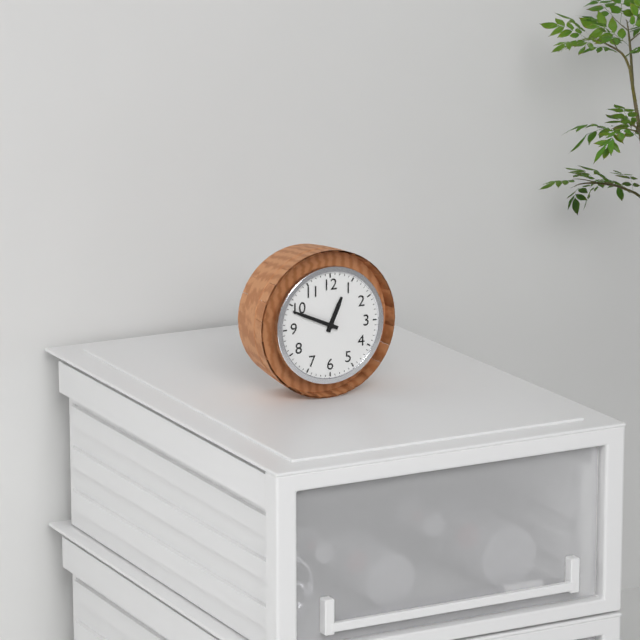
12:49
